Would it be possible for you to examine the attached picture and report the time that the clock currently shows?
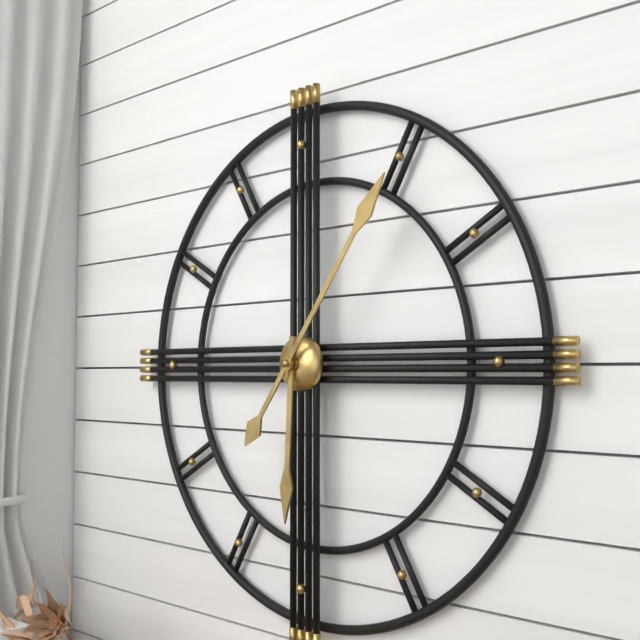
6:06
